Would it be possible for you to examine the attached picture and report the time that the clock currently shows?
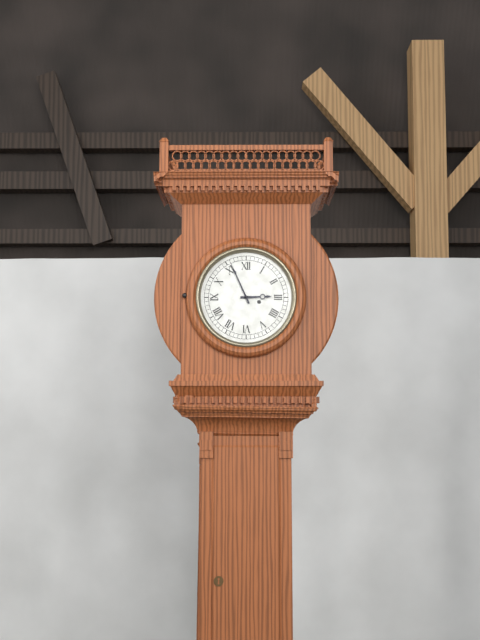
2:56
